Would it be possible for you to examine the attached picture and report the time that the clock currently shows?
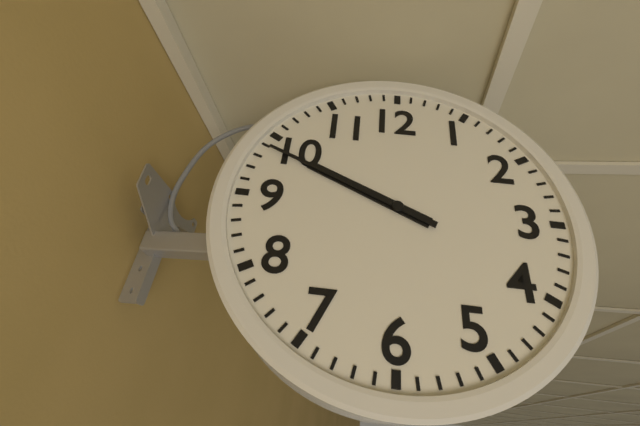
9:49
